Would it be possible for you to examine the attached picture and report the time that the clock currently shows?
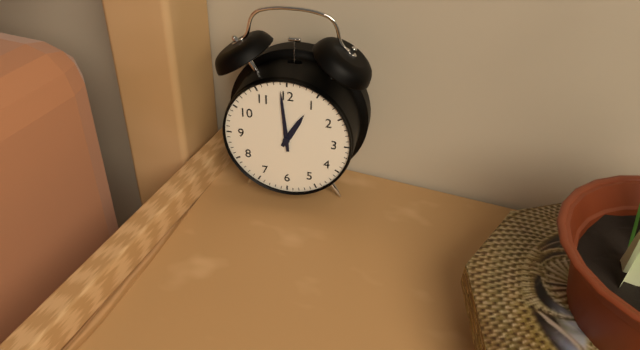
12:59
